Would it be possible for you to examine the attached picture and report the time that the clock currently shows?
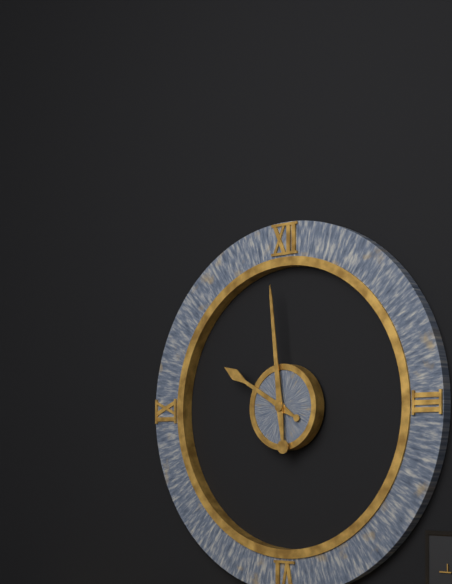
9:59
